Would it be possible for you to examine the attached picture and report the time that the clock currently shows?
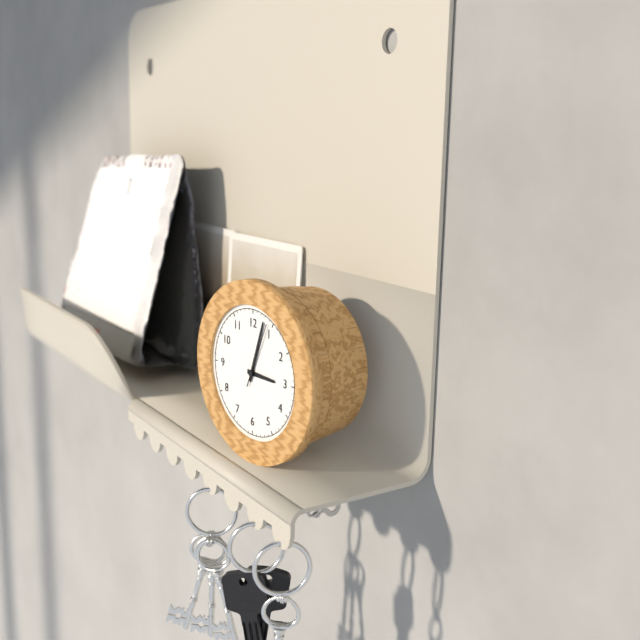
3:03:04
